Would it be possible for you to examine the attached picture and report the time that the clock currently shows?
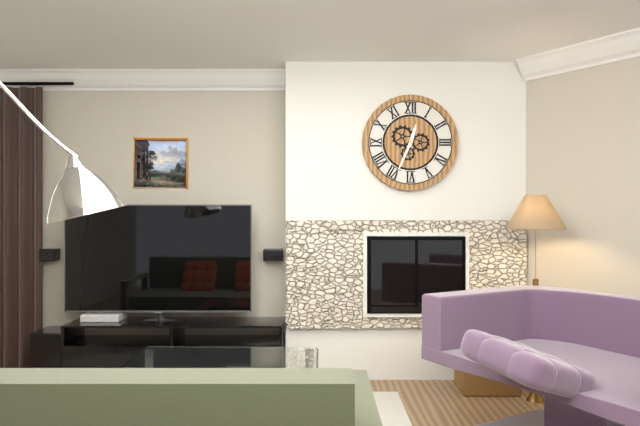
12:34
